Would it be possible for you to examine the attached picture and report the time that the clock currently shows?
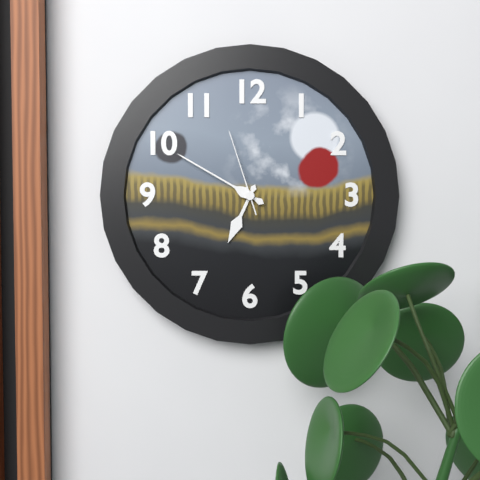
6:50:57
